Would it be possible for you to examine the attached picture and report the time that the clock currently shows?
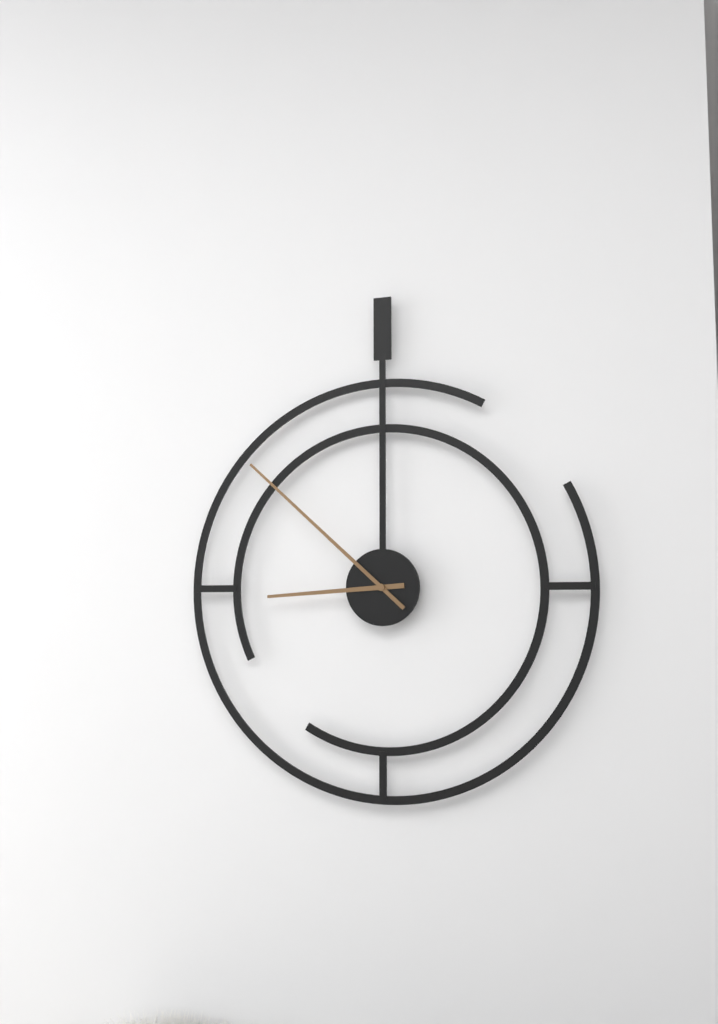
8:52
